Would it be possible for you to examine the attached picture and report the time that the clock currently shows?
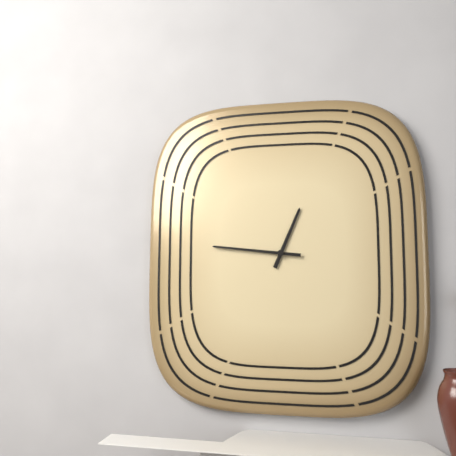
12:46
